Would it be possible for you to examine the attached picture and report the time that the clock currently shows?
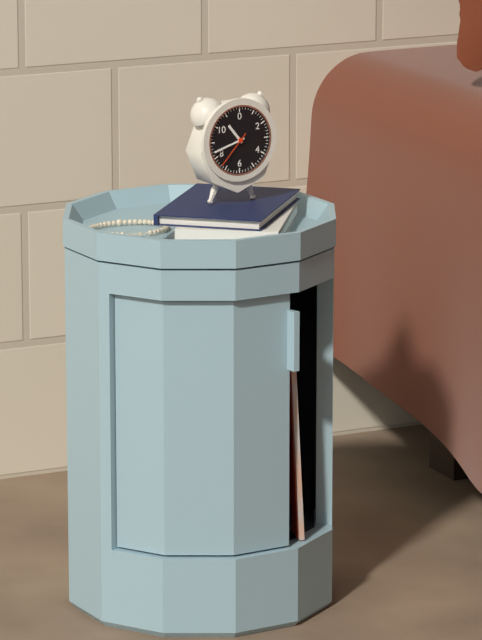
10:42
